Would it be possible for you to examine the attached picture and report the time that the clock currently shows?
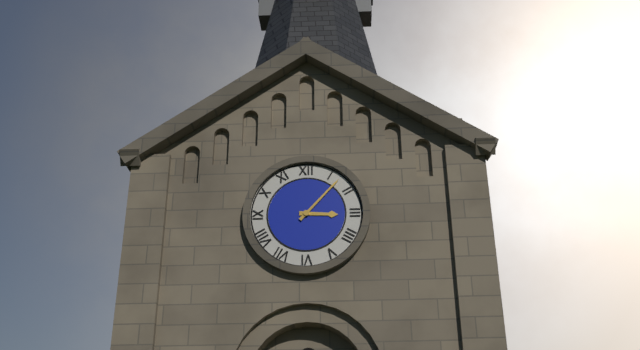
3:07
